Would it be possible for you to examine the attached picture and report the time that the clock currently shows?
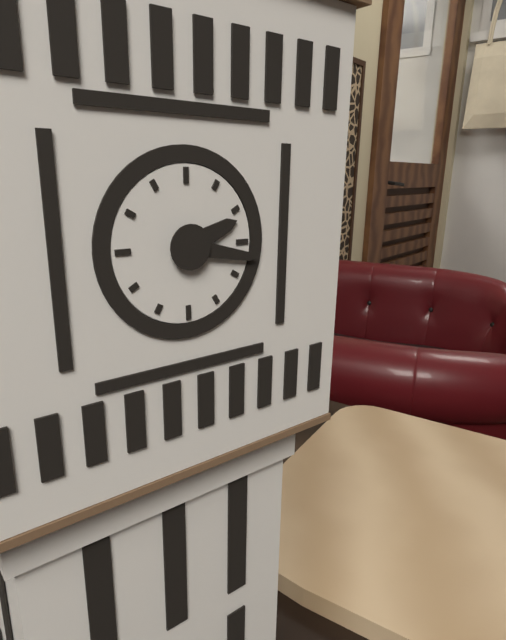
2:17
